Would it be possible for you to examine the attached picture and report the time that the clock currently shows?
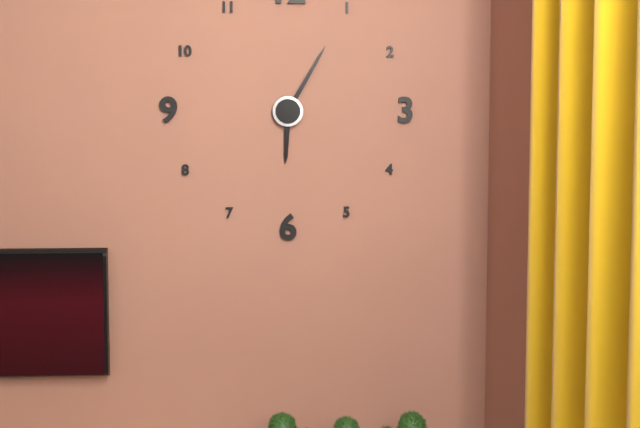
6:05
